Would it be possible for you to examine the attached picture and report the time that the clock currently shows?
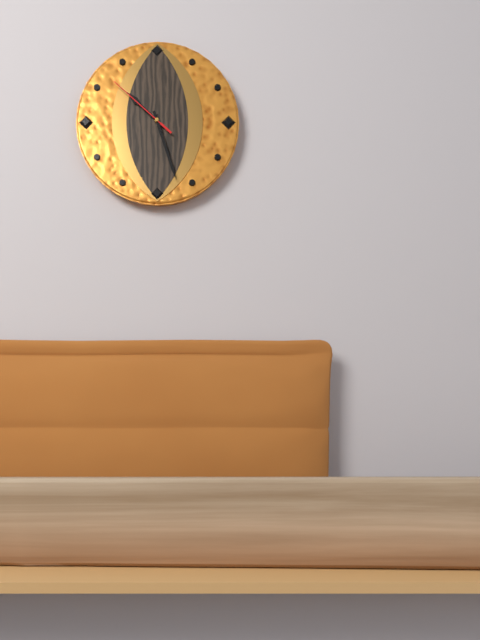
10:27:52
